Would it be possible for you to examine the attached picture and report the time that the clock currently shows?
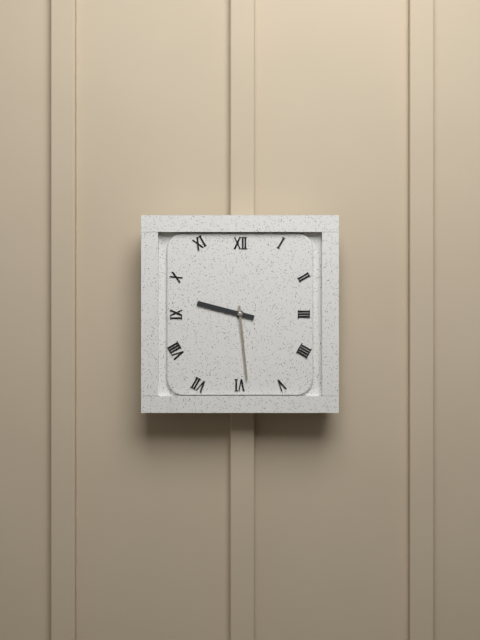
9:29
